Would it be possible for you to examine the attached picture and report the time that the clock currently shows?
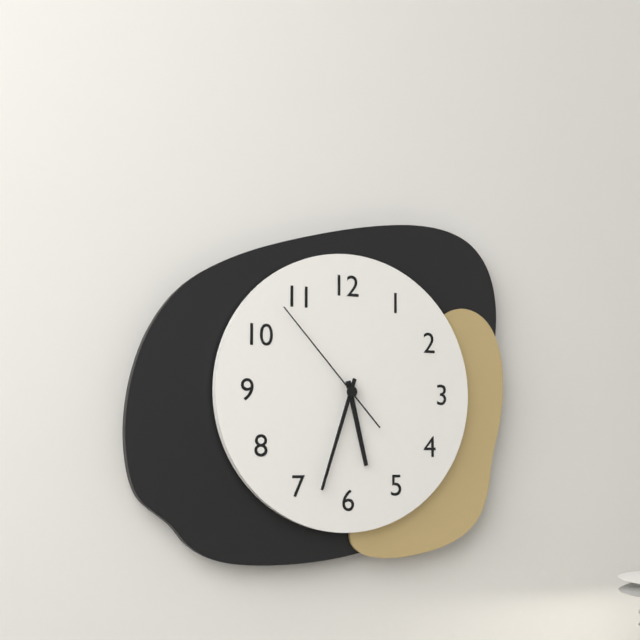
5:33:53
